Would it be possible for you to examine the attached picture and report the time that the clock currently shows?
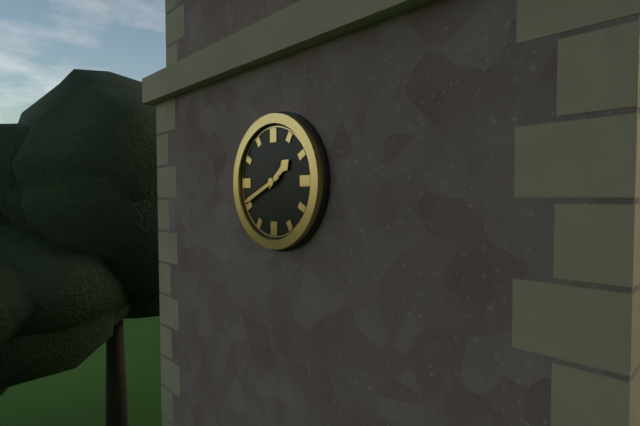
1:41
